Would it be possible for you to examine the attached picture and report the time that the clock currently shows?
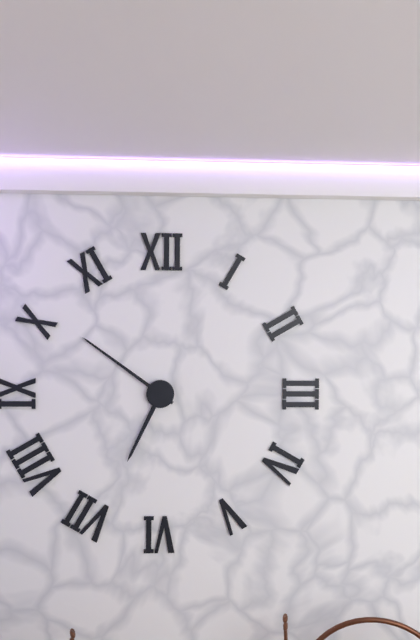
6:51
